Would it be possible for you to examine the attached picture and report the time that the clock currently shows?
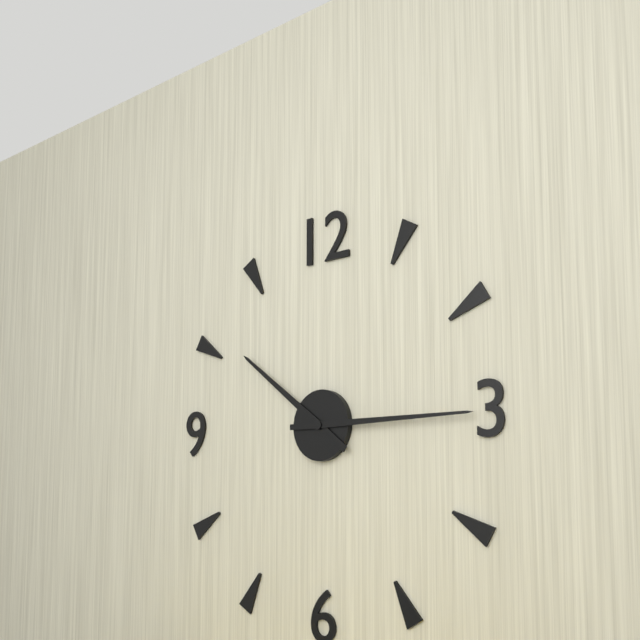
10:15
